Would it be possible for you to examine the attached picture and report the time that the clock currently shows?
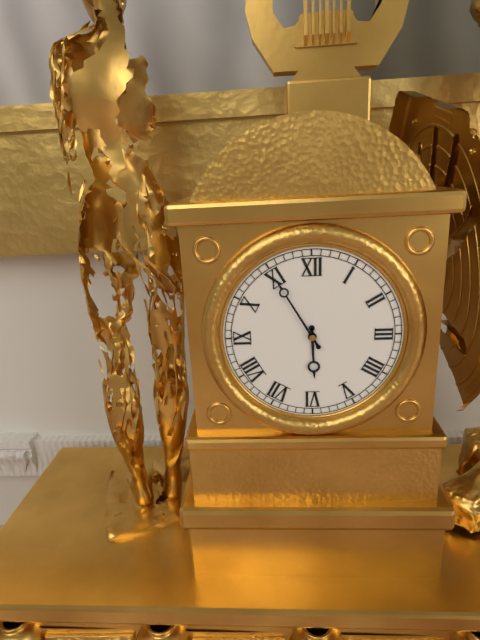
5:55
